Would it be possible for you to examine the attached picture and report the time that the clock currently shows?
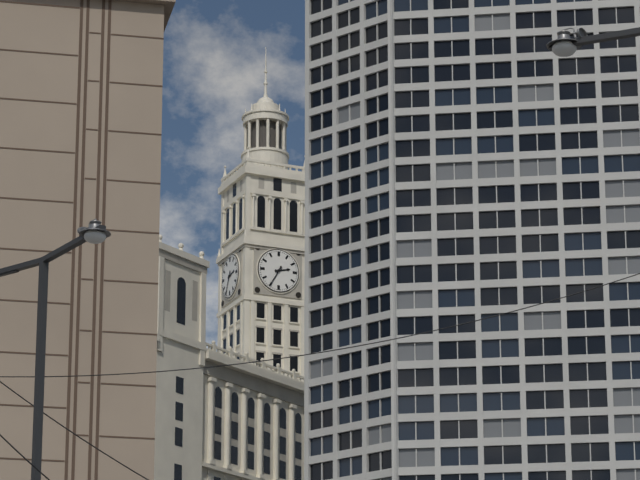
2:35
